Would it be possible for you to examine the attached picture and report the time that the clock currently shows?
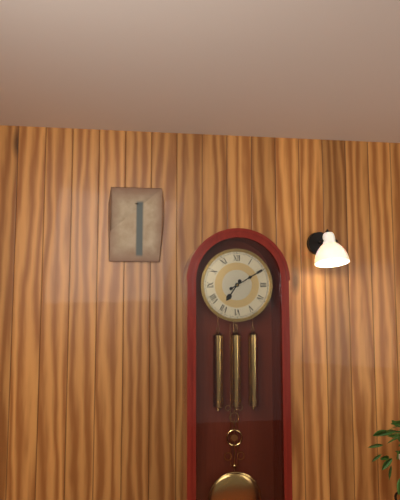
7:10
